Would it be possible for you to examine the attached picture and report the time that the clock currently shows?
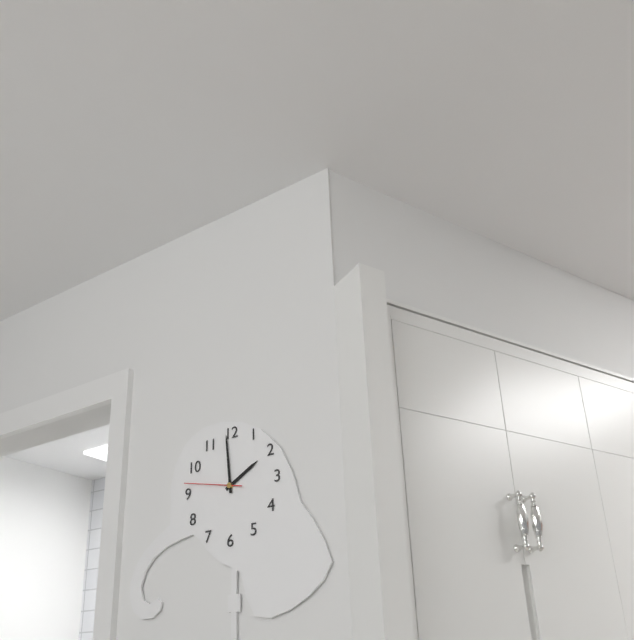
1:59:47
